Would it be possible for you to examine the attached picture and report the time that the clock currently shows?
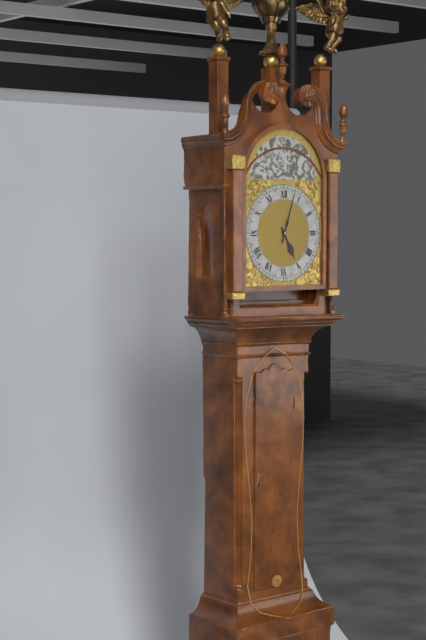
5:03
